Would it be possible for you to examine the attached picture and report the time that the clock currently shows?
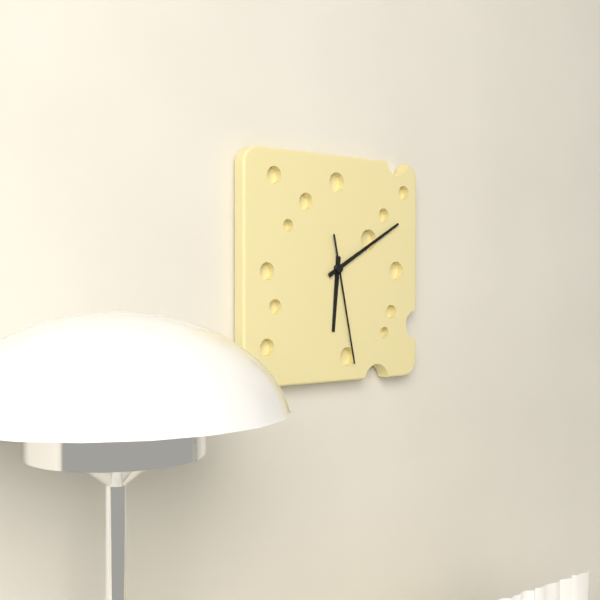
6:10:28
